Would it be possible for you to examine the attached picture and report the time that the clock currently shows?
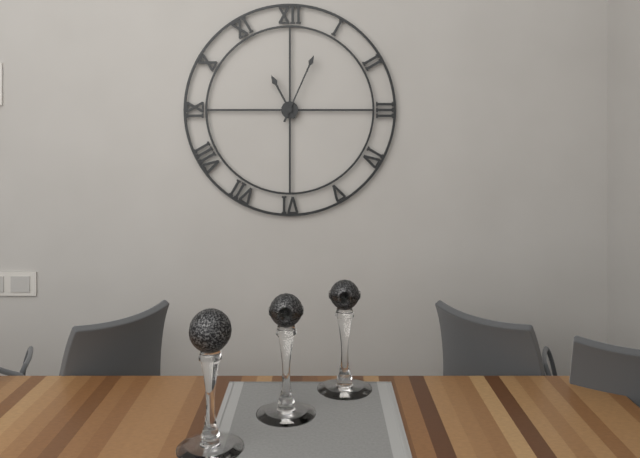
11:04
